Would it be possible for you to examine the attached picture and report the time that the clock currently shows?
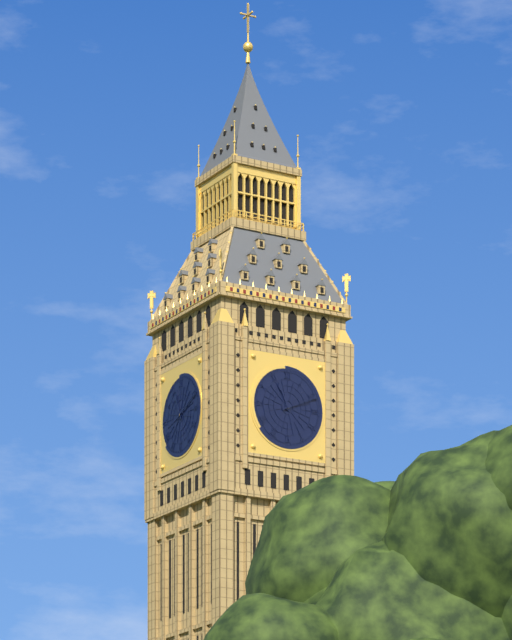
11:11
